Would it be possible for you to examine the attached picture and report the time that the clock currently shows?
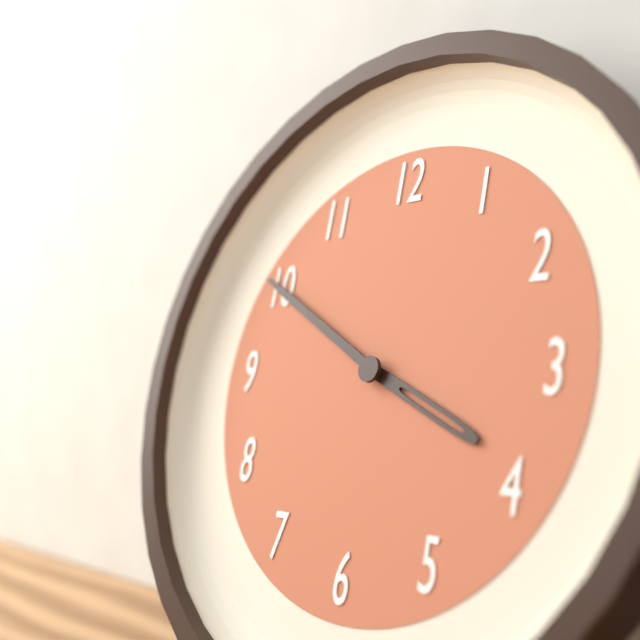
3:50
